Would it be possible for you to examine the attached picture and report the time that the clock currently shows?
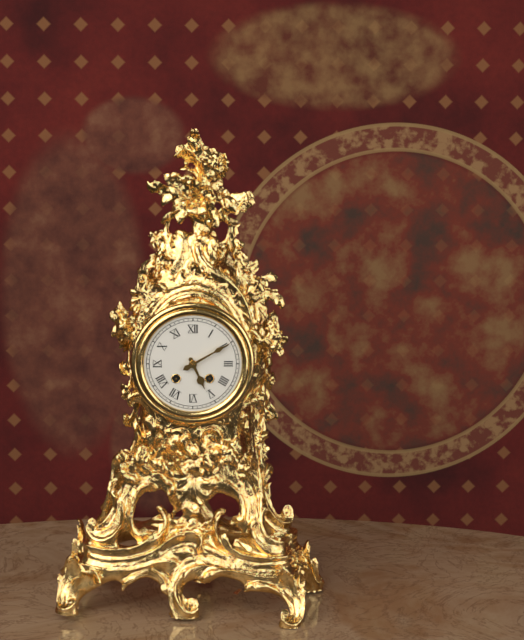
5:10
